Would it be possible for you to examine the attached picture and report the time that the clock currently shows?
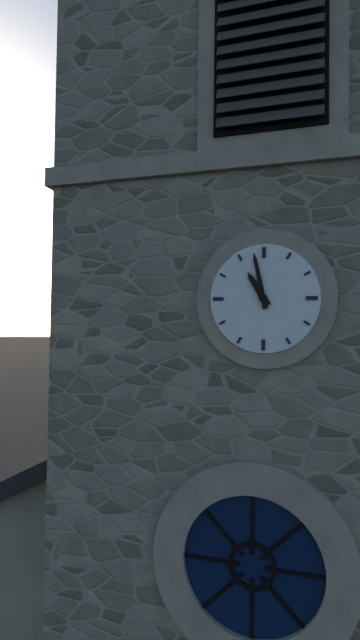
10:58
